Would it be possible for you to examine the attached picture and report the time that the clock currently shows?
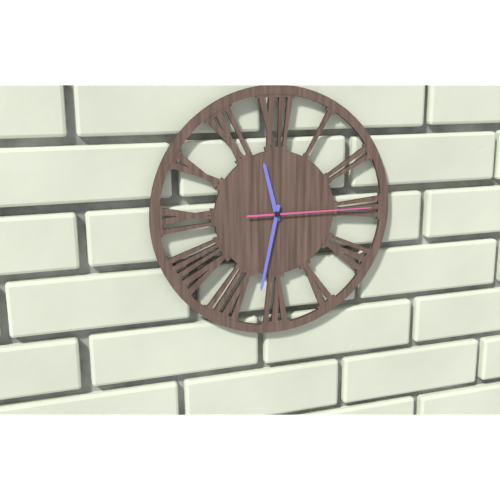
11:32:15
